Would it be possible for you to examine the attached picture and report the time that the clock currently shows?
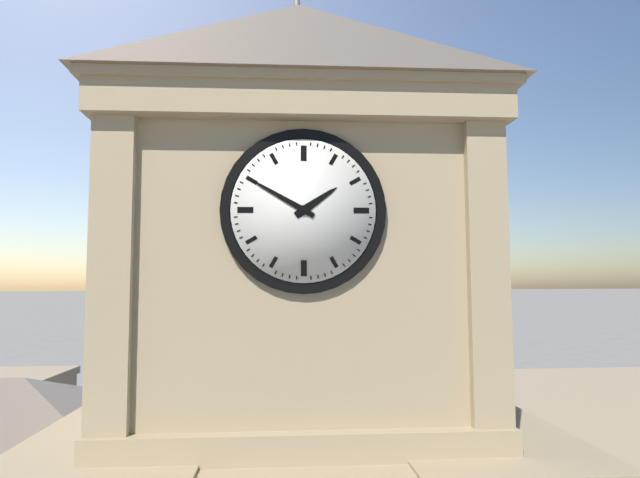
1:50
